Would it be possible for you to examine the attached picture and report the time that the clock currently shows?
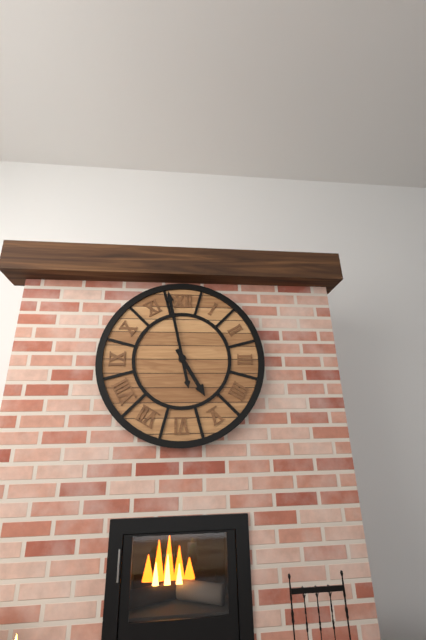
4:58
